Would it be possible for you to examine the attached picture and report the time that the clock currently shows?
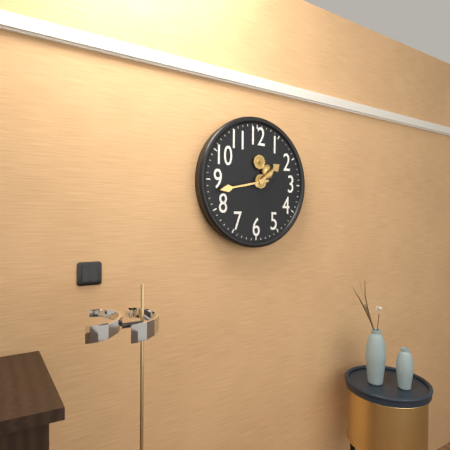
1:43
